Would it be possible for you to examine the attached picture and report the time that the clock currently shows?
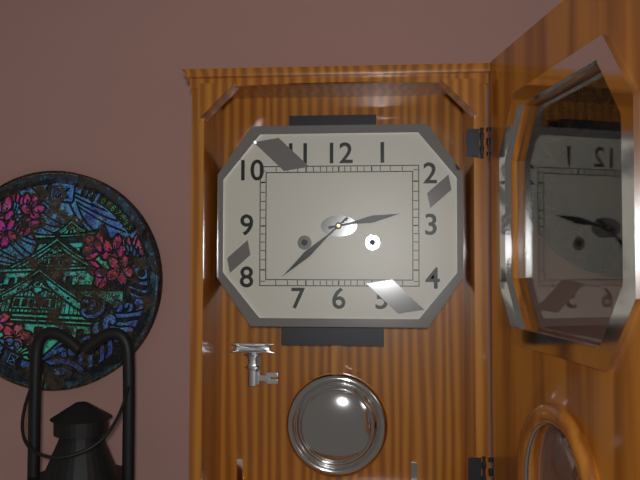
2:38
